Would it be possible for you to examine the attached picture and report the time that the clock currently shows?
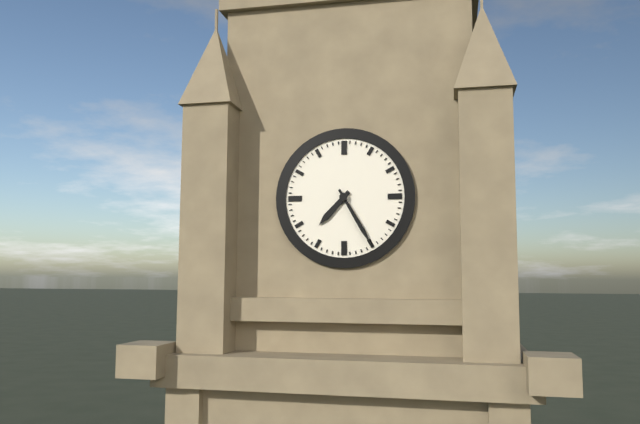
7:25
